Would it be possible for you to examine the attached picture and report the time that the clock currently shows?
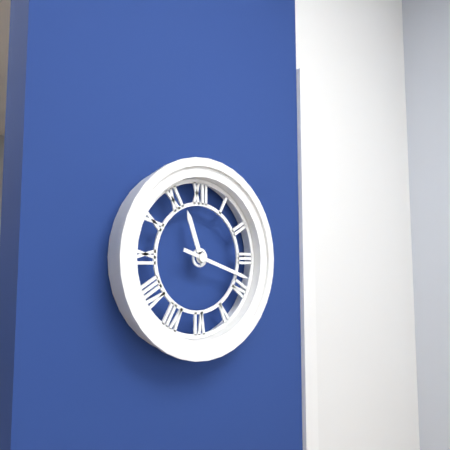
11:18
